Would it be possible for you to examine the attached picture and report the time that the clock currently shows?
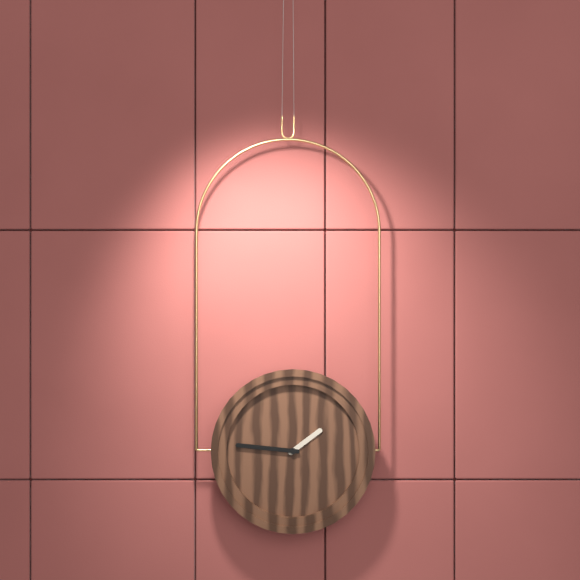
1:46
